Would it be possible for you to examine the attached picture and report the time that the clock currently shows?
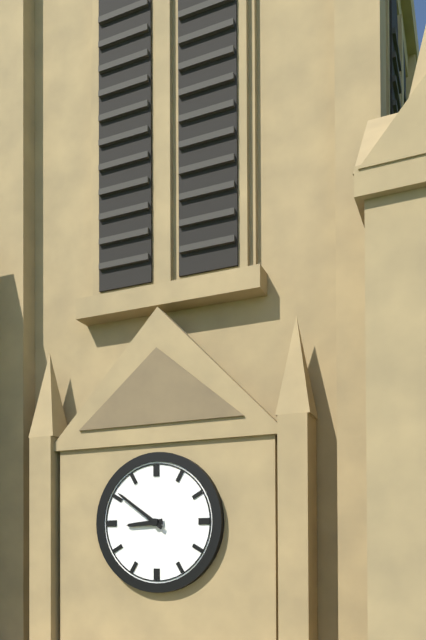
8:51
